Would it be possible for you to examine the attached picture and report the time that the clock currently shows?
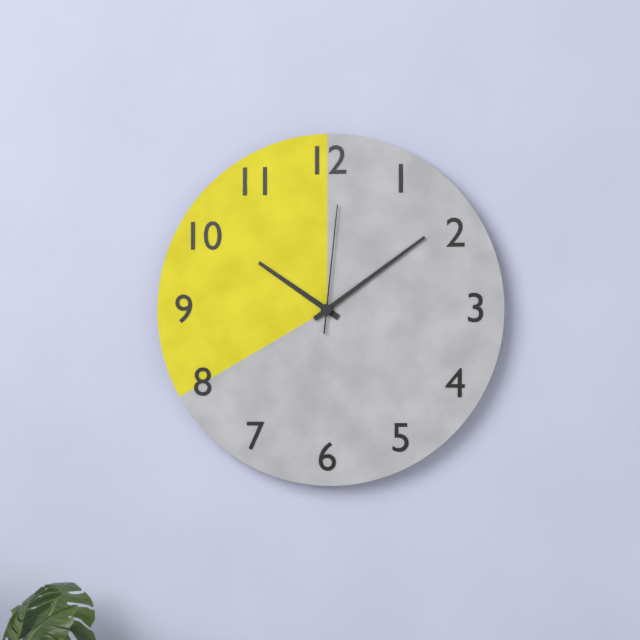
10:09:01
